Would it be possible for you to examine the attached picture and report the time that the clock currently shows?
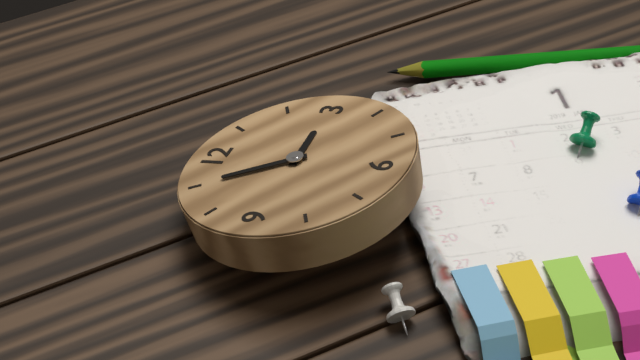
2:55
